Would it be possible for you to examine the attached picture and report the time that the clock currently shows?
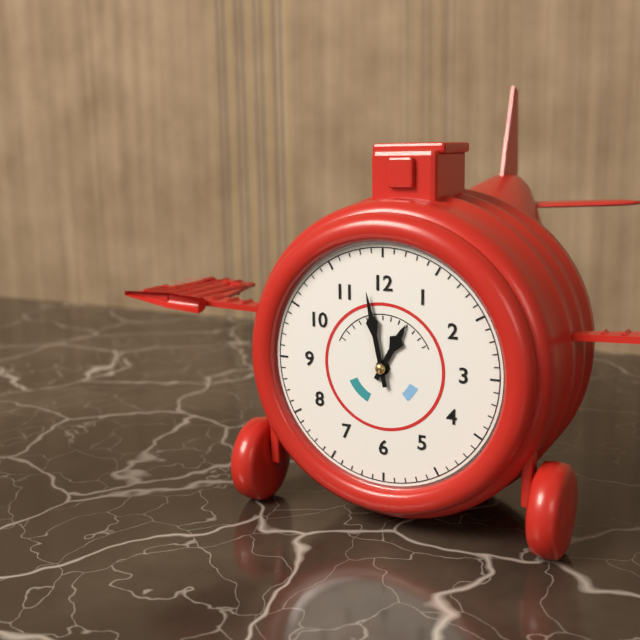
12:58
